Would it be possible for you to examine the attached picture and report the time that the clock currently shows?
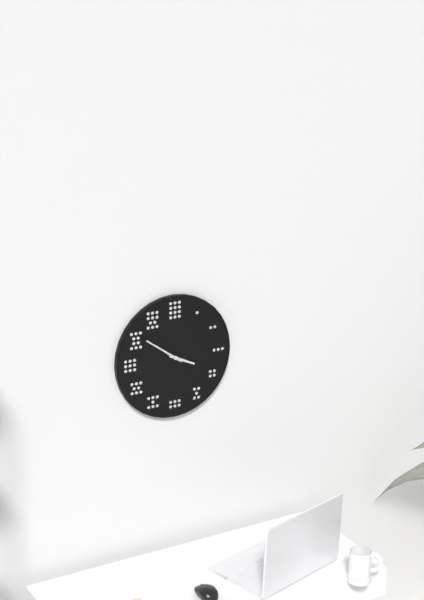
3:51
